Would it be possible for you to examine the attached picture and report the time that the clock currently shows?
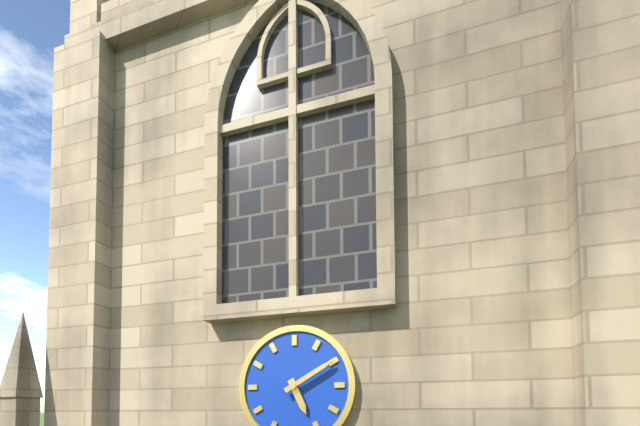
5:10
